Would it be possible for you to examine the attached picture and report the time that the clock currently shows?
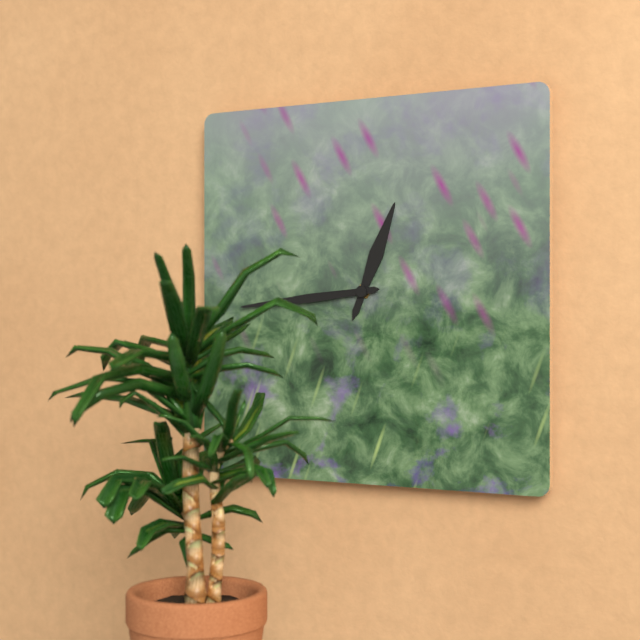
12:44
